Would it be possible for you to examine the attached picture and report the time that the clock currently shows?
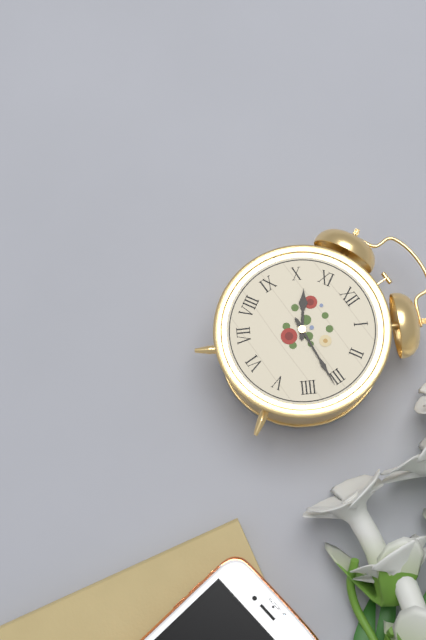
10:16
